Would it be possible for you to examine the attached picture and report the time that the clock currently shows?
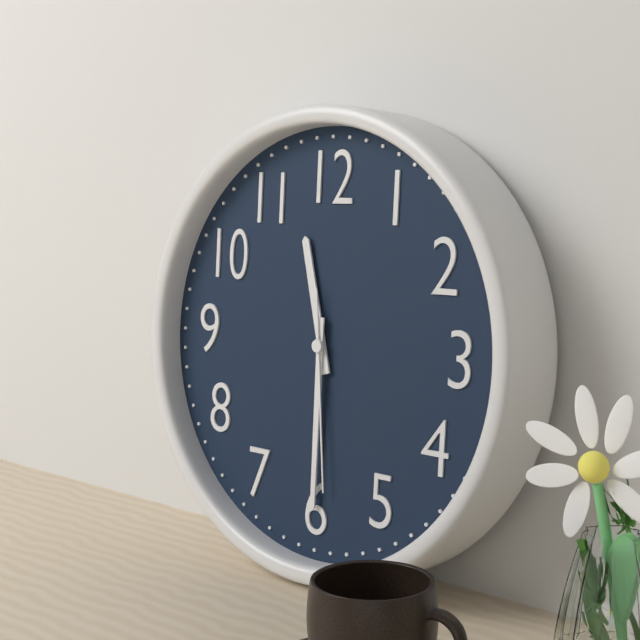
11:30:29
